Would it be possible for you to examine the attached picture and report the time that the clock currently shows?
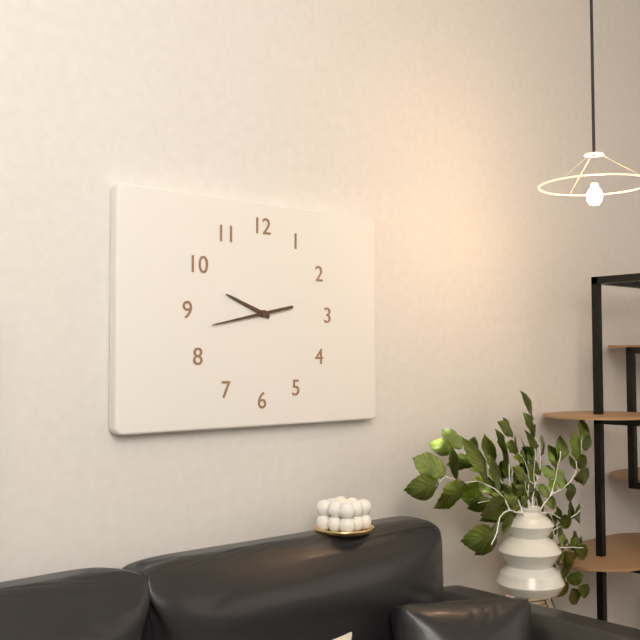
9:43
